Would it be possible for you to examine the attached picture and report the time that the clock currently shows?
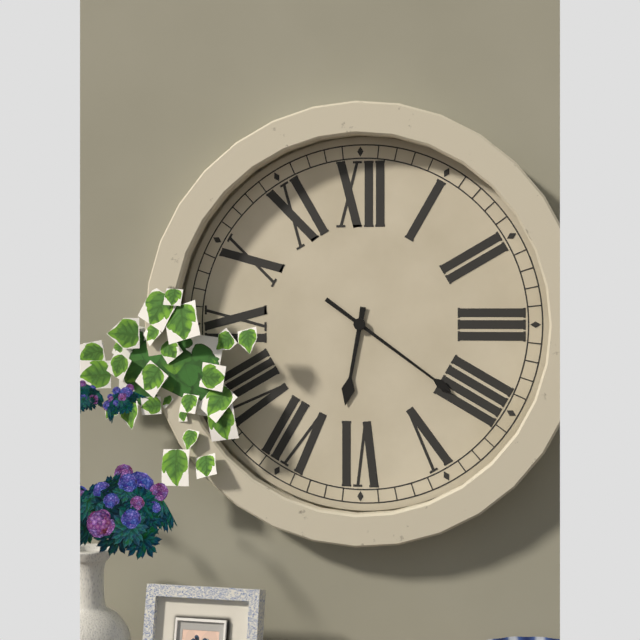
6:21
